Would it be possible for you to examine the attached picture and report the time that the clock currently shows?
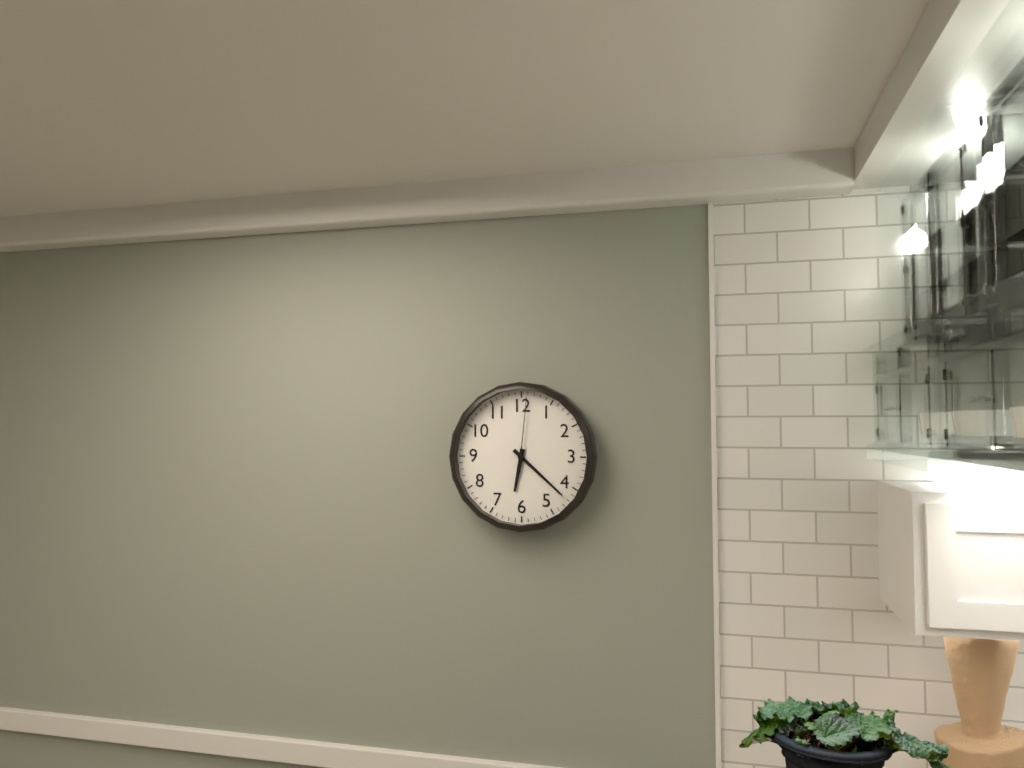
6:22:01
